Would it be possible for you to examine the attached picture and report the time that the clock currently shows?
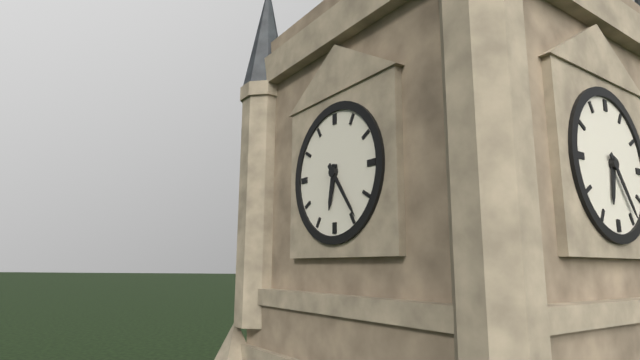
6:24
